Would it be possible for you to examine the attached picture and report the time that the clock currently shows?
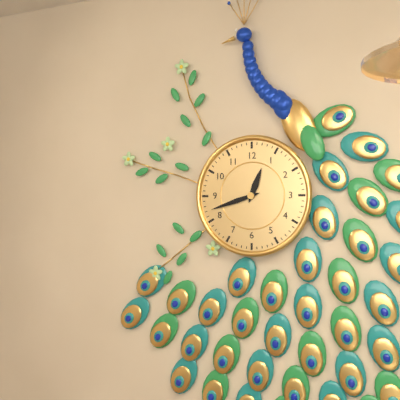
12:42
